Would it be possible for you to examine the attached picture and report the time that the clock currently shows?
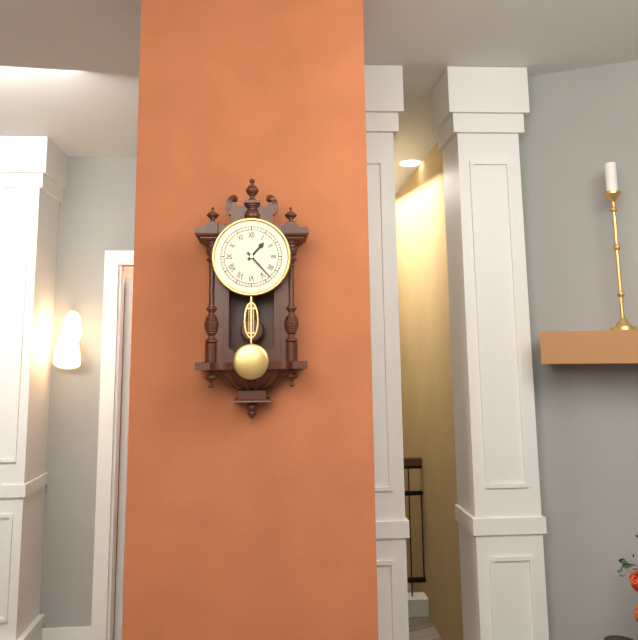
1:23
